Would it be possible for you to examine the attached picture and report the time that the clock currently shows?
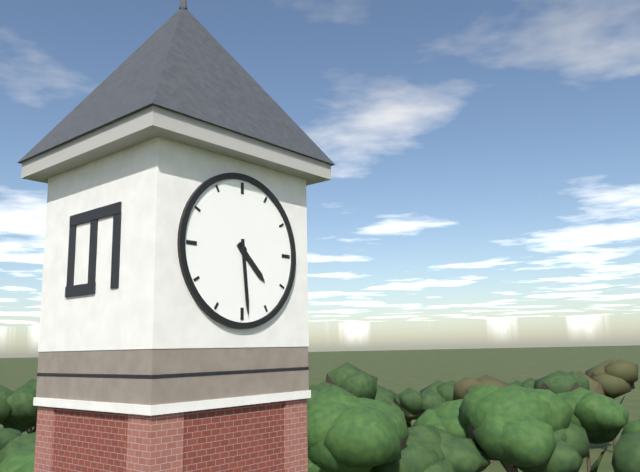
4:29
